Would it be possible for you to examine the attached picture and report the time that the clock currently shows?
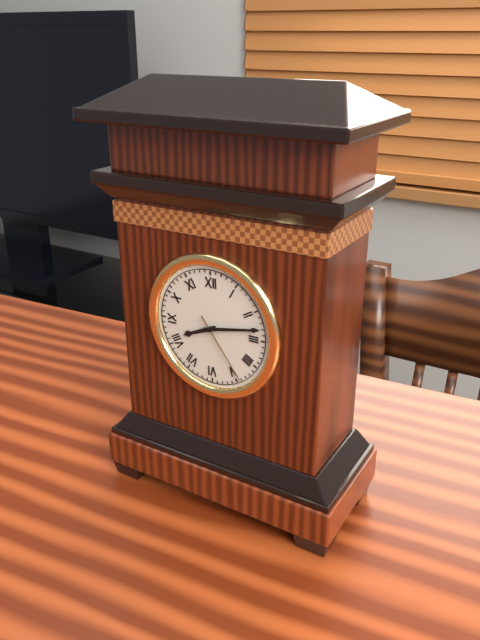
8:13:24
